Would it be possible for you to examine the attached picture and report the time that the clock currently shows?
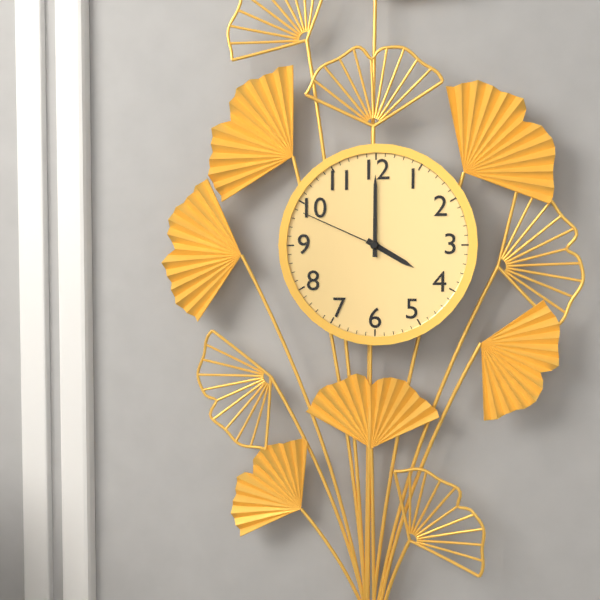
4:00:49
